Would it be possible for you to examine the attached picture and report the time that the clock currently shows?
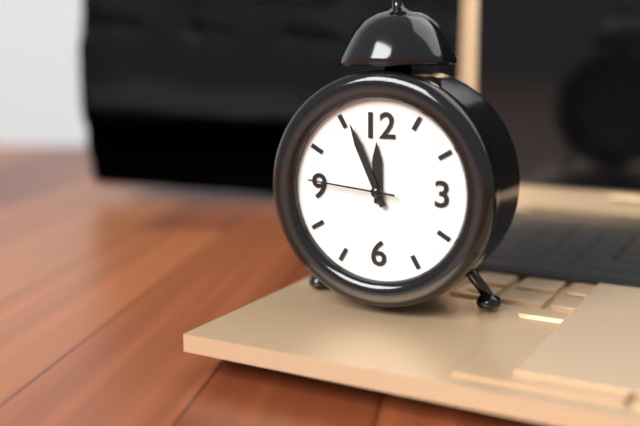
11:56:46
